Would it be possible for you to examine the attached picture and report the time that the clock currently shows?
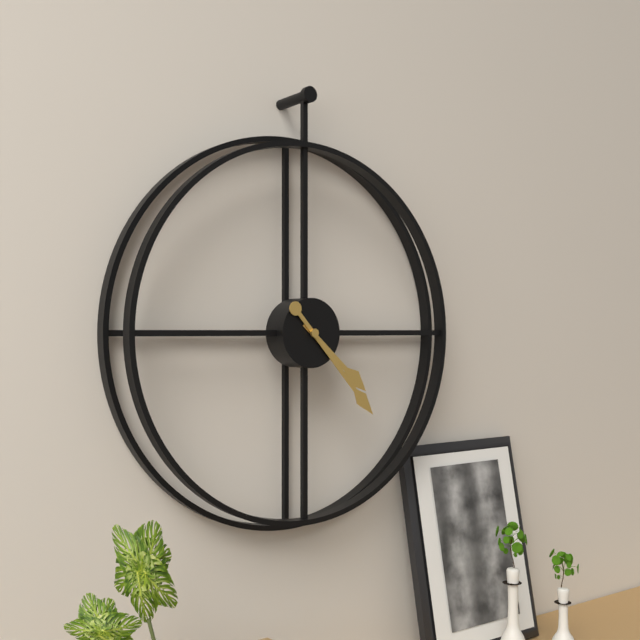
4:23
